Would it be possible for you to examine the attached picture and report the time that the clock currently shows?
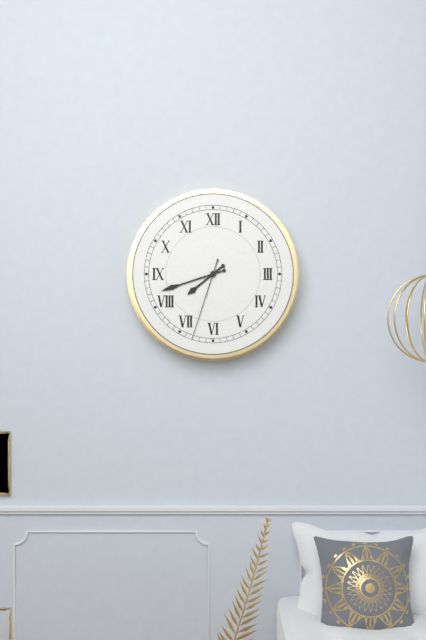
7:42:33
